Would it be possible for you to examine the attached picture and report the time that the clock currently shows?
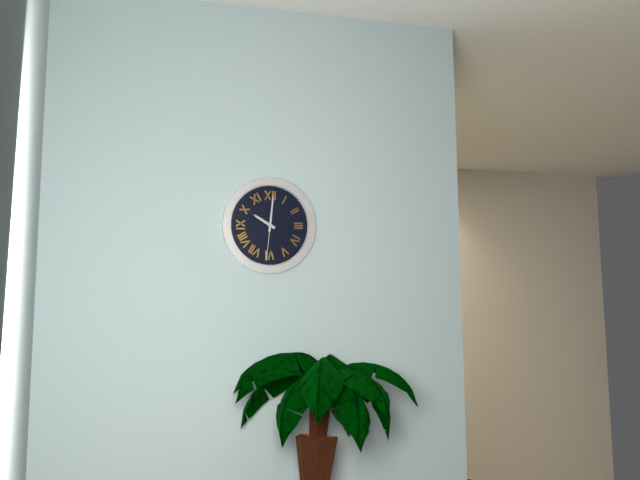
10:01
